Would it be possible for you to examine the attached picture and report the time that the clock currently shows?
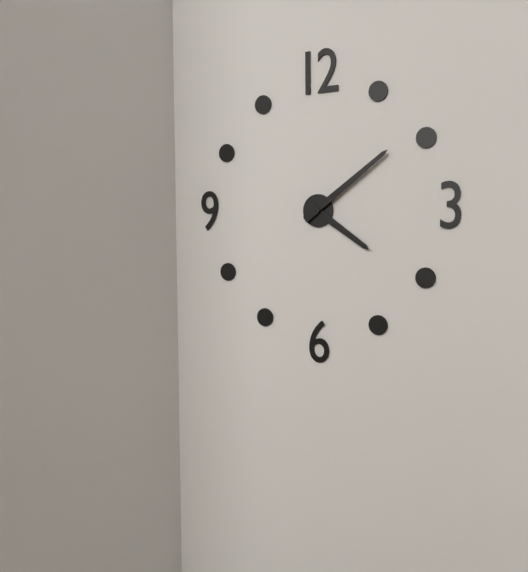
4:09
